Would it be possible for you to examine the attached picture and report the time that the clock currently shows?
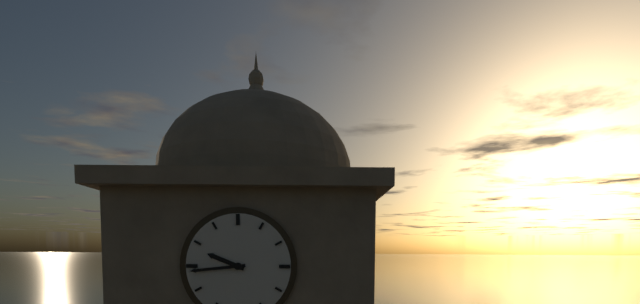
9:44
